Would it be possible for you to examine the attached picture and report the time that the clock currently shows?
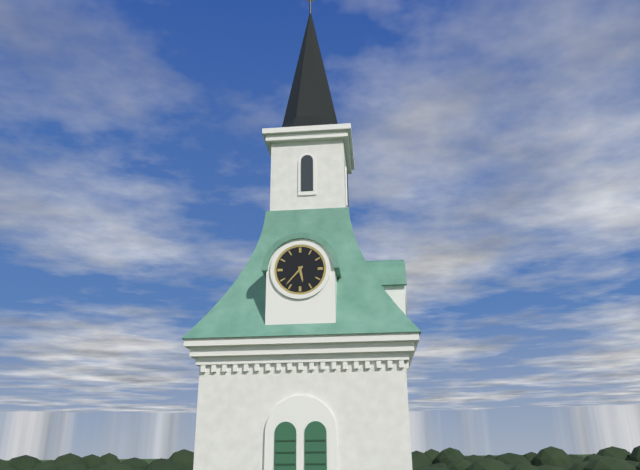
5:37
